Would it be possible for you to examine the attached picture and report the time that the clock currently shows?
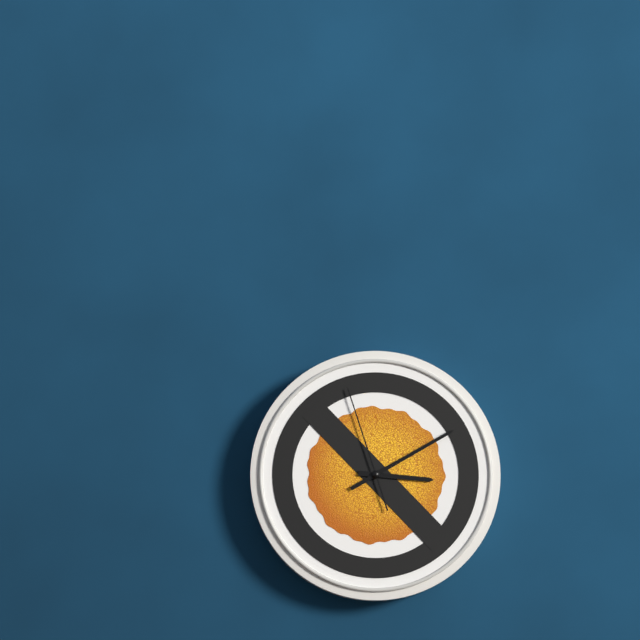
3:10:57
